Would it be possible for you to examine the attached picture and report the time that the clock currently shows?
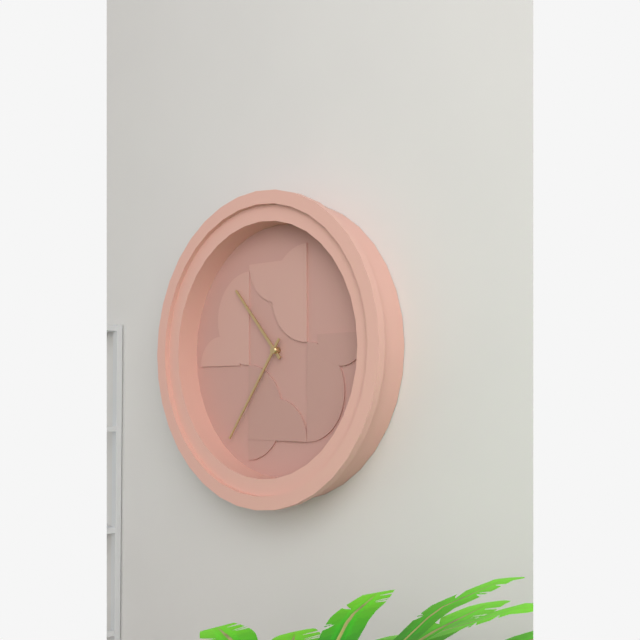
10:36
